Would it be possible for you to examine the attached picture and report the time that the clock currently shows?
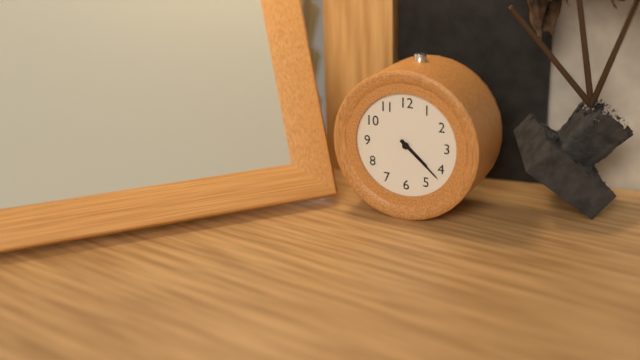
4:22
